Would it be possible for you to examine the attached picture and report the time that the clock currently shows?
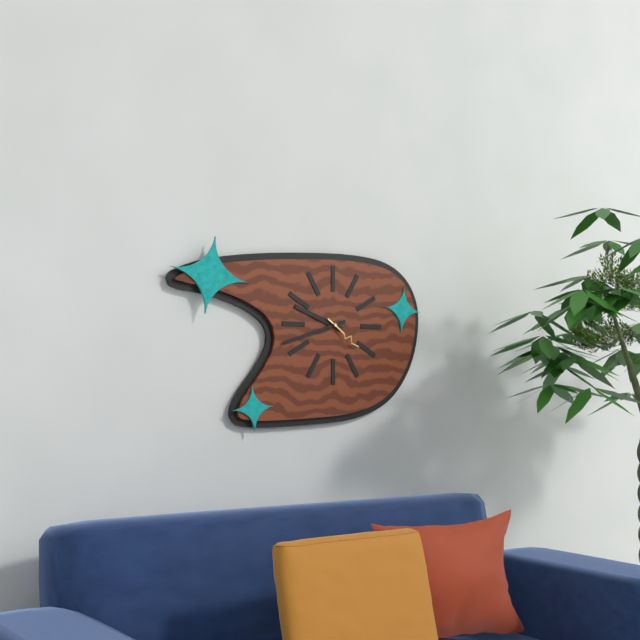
9:42
